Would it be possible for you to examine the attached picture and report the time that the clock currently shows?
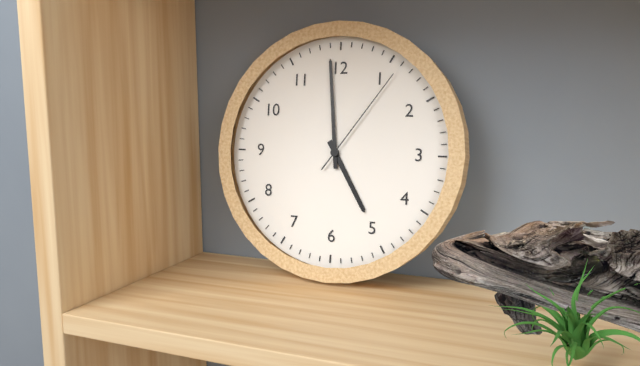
4:59:06
